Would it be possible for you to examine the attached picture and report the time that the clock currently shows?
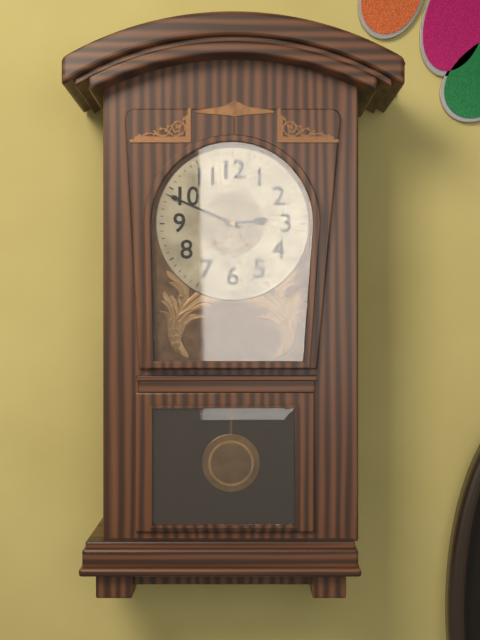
2:49
